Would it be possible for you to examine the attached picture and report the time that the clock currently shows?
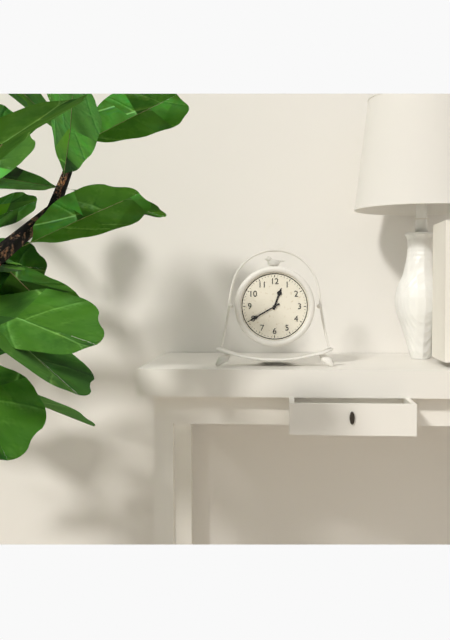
12:40
